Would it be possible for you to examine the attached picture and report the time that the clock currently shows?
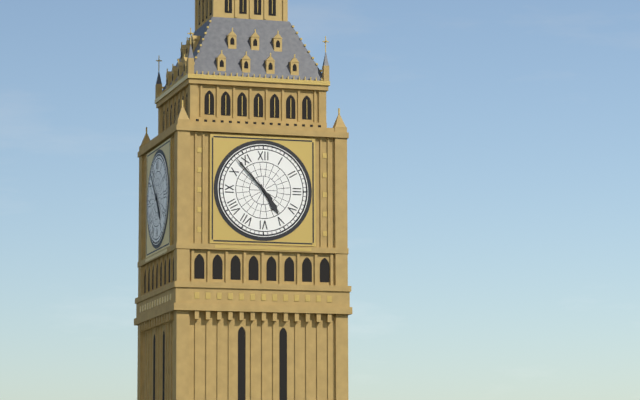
4:53
